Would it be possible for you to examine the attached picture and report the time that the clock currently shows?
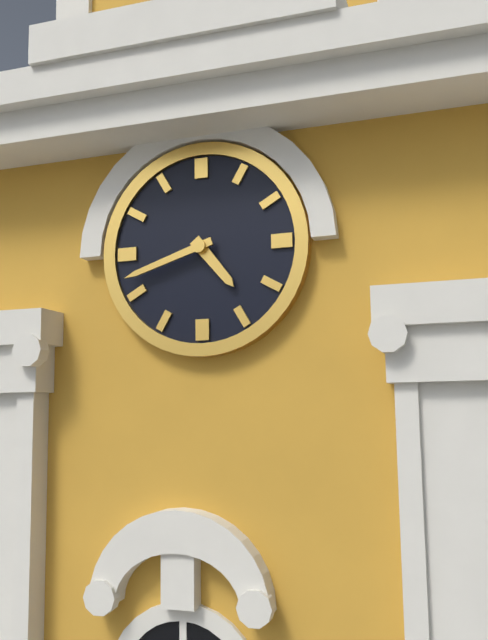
4:42
